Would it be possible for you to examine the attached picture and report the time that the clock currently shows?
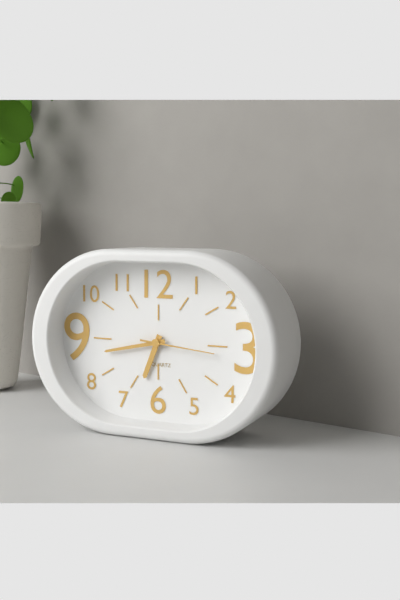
6:43:16
